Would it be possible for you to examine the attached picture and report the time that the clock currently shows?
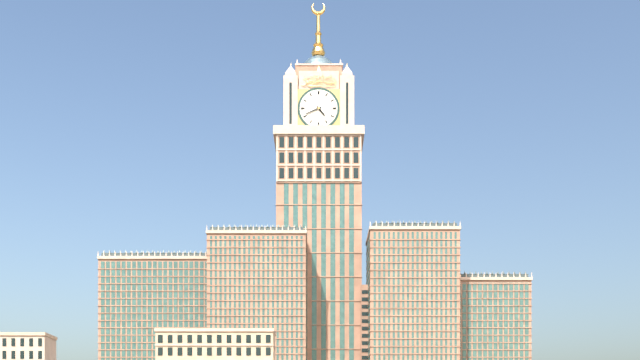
4:41
